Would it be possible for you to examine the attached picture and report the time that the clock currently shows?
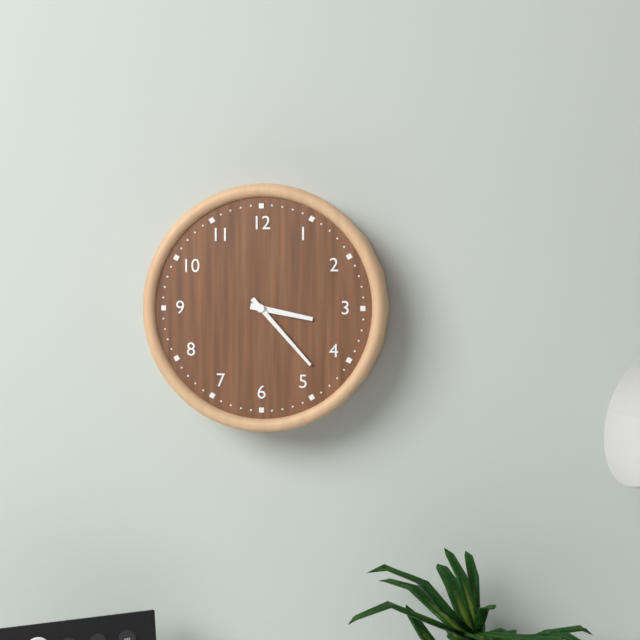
3:23
